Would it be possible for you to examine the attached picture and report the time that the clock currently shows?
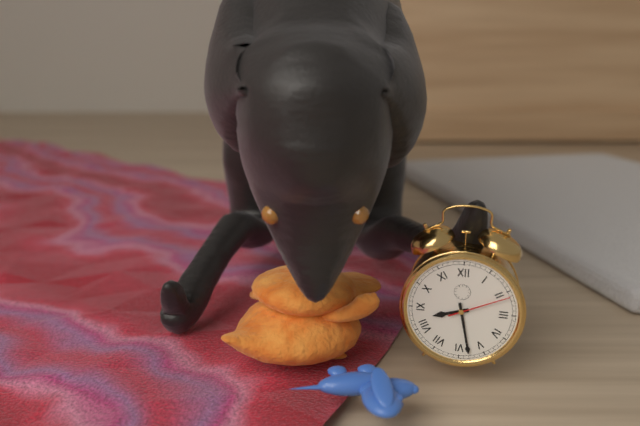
8:28:11
